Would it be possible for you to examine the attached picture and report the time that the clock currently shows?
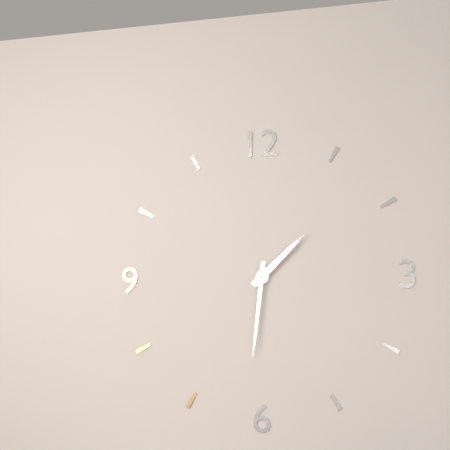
1:31
